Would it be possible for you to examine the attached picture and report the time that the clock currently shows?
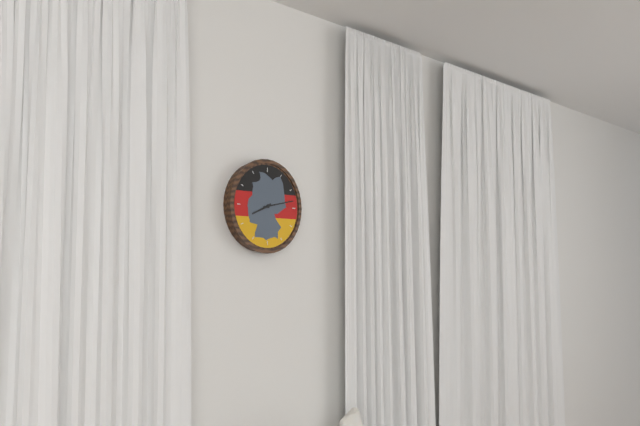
8:13
